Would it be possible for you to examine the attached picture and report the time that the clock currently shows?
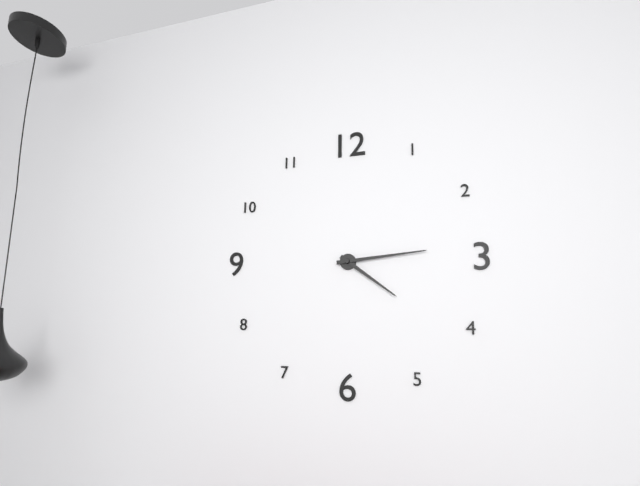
4:14
